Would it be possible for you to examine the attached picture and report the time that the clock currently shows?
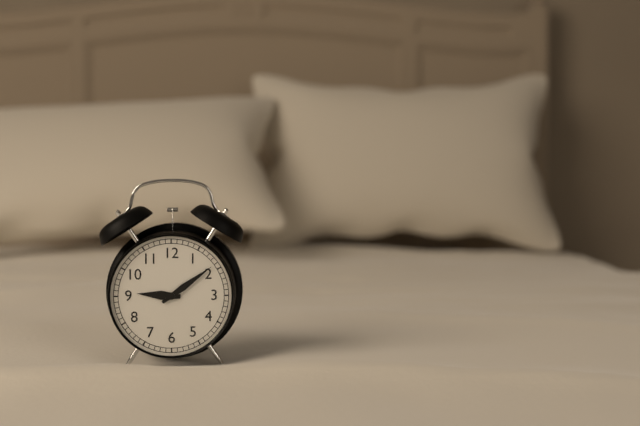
9:09
